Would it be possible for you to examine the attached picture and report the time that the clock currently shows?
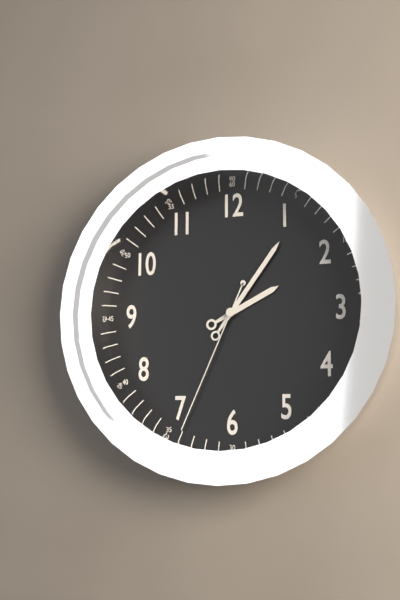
2:06:34
